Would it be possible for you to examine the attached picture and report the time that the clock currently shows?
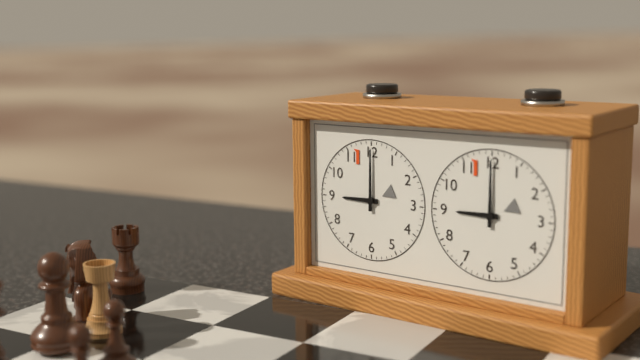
9:00
